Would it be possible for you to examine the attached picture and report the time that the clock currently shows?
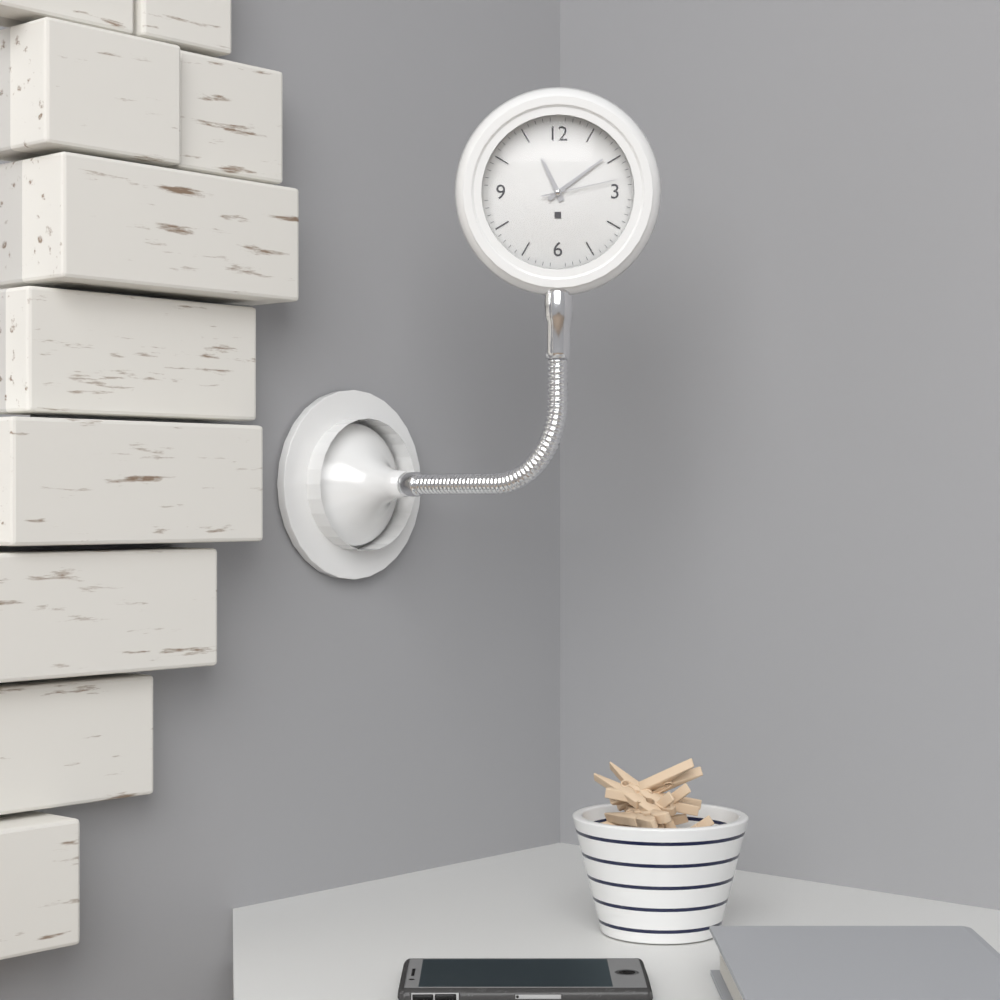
11:09:13
